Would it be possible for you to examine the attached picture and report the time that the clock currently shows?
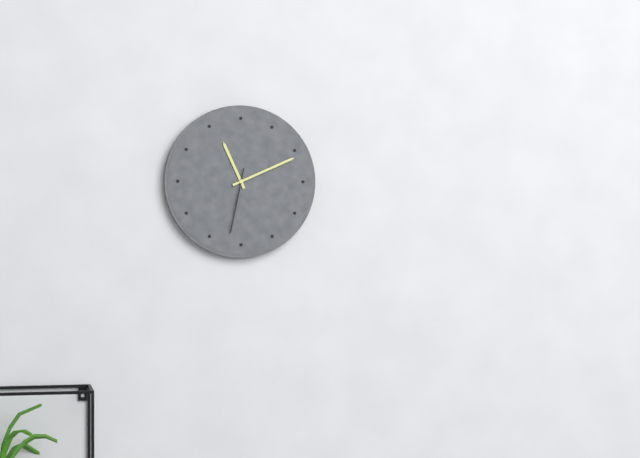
11:11:32
